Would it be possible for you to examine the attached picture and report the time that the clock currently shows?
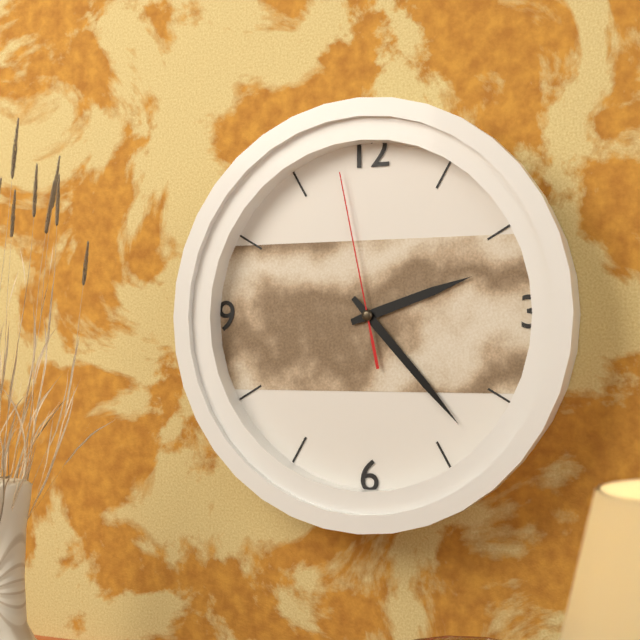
2:23:58
